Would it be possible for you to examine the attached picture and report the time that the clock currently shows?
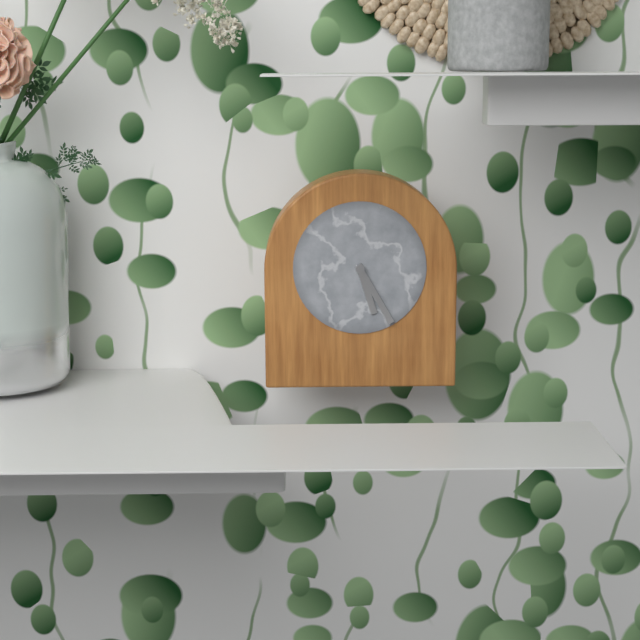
5:25
